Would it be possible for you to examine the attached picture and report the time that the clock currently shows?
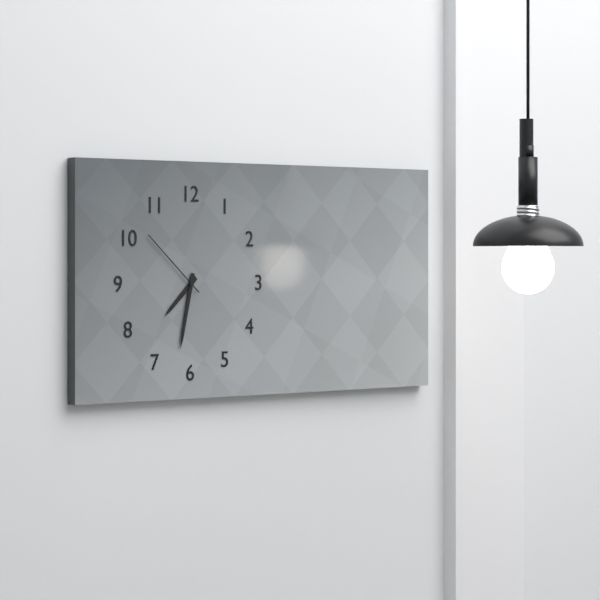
7:32:52
